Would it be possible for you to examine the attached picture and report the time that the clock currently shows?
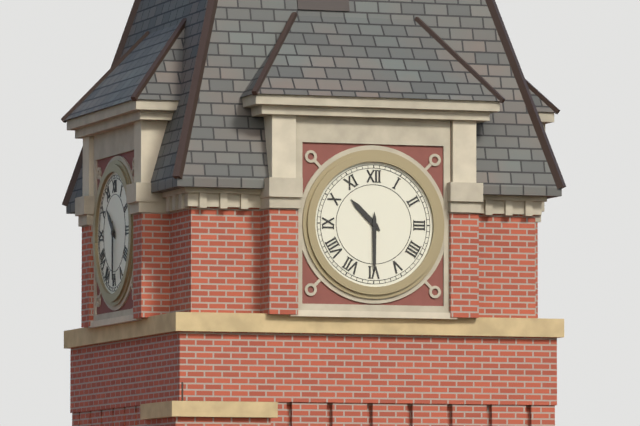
10:30
